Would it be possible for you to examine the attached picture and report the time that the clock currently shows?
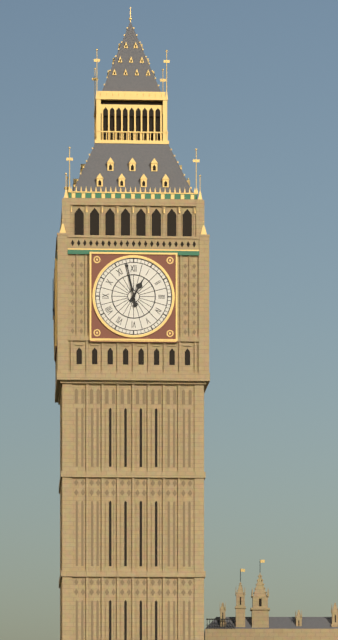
12:58
